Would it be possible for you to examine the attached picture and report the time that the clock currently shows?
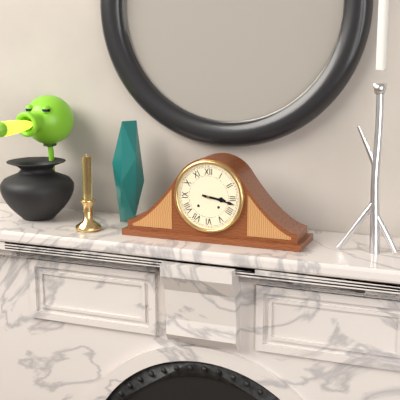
3:17
